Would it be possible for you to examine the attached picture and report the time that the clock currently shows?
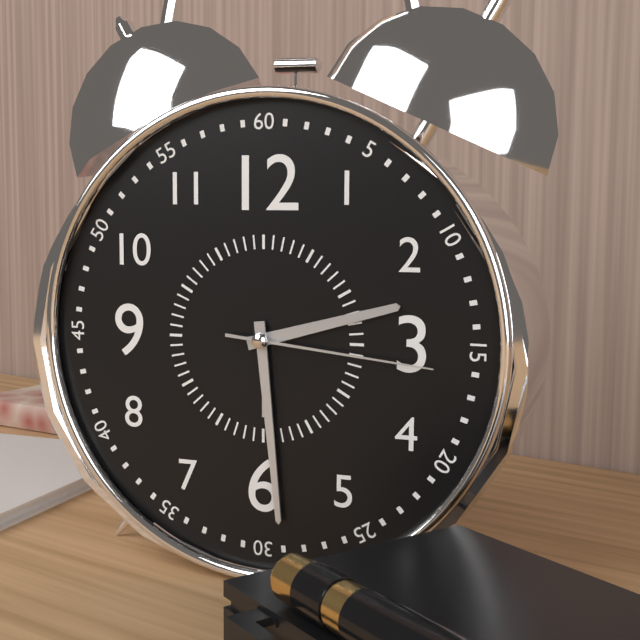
2:29:16
